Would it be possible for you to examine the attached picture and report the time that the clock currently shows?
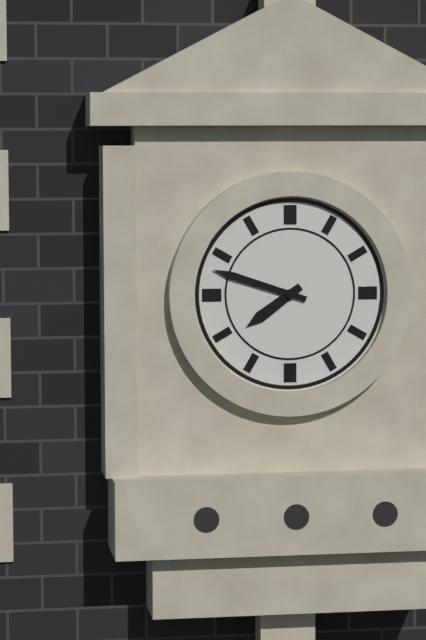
7:48
